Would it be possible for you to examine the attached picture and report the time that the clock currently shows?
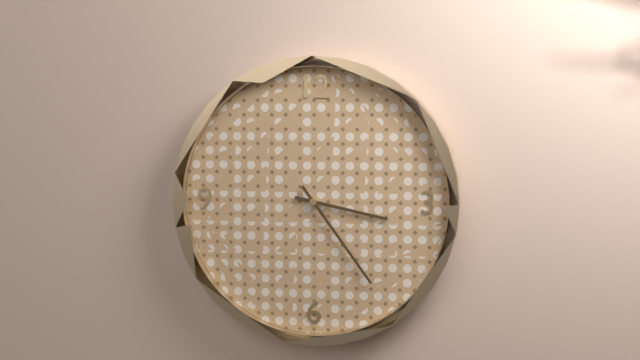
3:24
